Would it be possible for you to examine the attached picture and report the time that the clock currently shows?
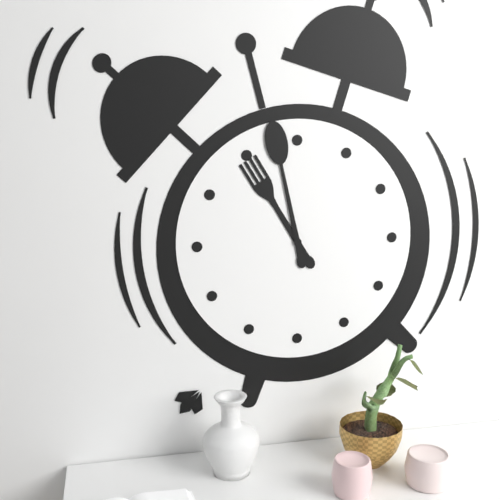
10:58
